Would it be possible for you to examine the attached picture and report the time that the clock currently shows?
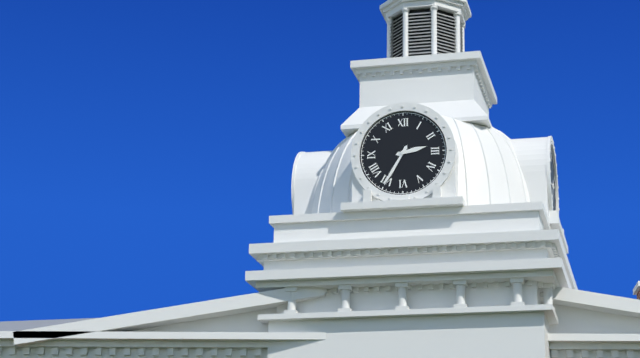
2:35
